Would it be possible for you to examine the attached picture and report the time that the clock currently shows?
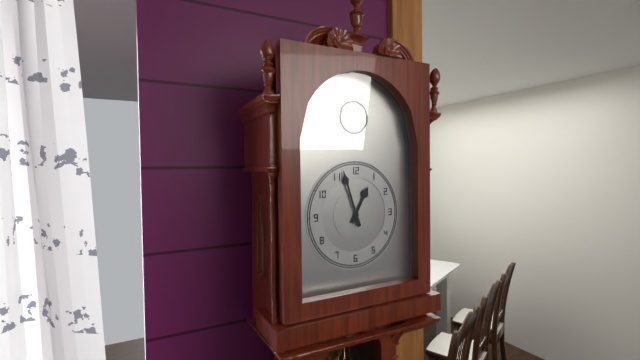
12:57
